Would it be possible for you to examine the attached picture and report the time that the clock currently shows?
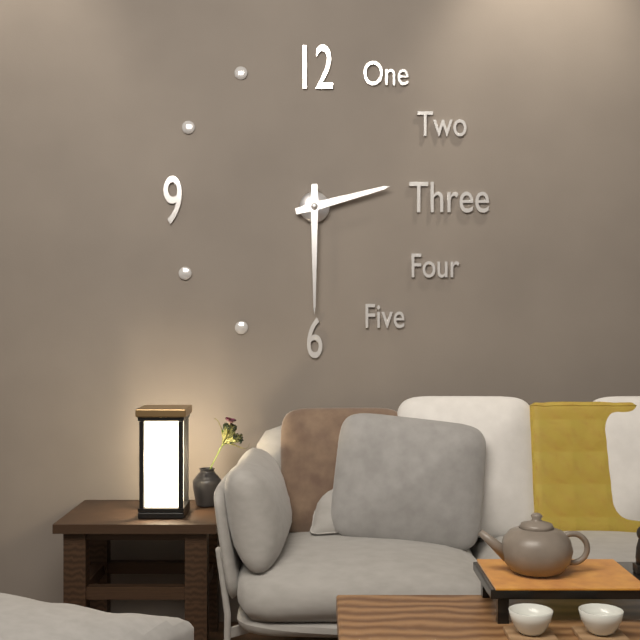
2:30
